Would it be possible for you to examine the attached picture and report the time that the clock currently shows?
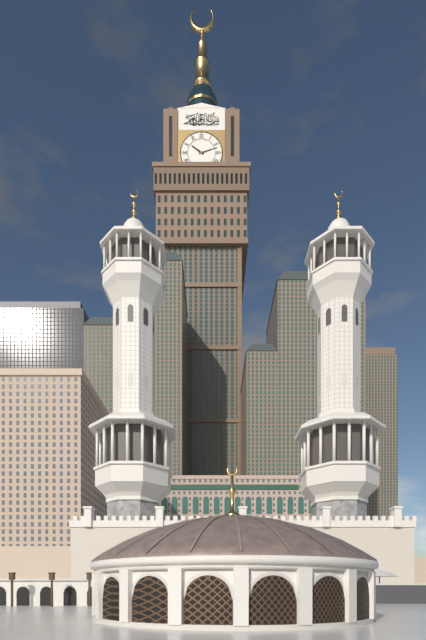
10:12
